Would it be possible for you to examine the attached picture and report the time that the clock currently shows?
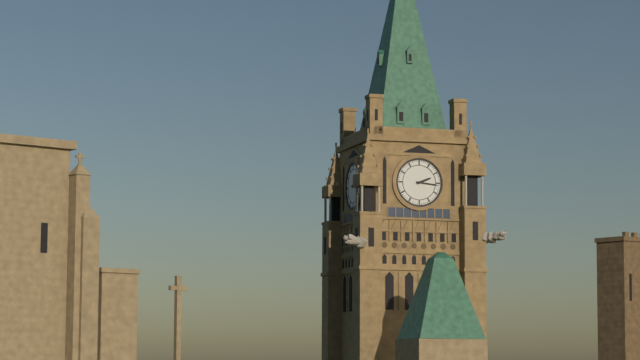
2:16
